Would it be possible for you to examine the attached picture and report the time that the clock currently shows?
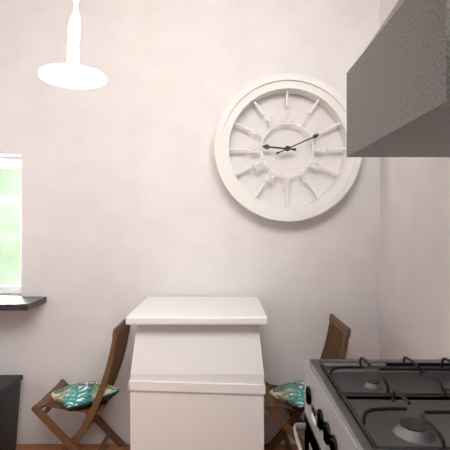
9:11
